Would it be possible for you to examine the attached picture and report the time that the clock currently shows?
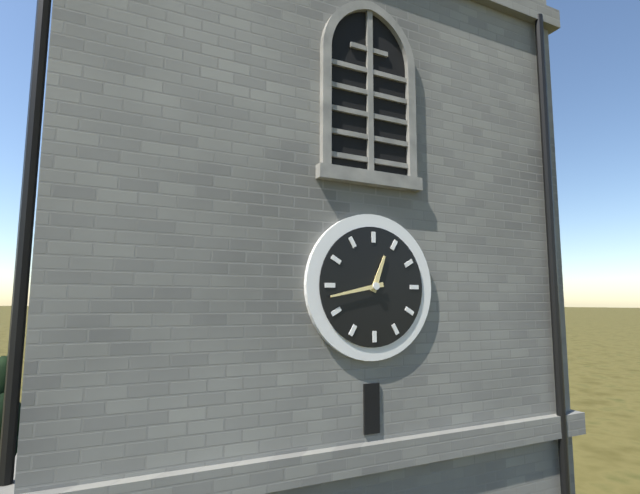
12:43
